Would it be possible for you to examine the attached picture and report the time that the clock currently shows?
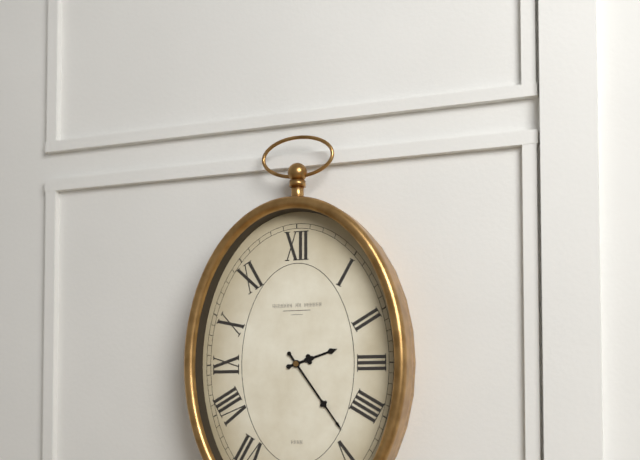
2:24
